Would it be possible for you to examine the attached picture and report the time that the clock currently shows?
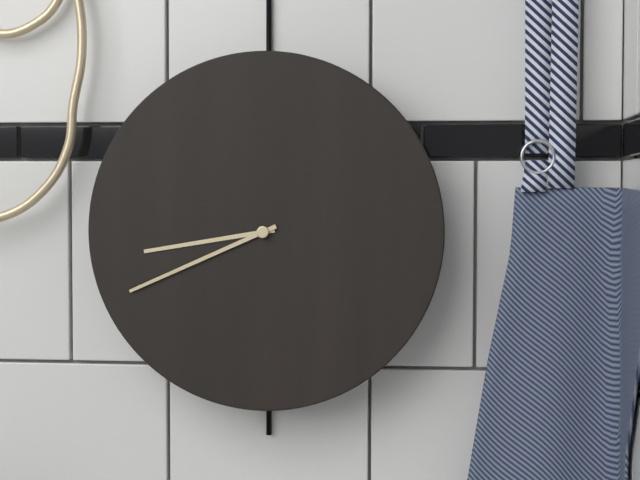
8:41
